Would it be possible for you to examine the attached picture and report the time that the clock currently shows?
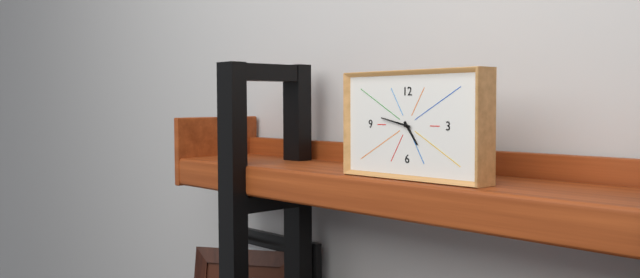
4:47
